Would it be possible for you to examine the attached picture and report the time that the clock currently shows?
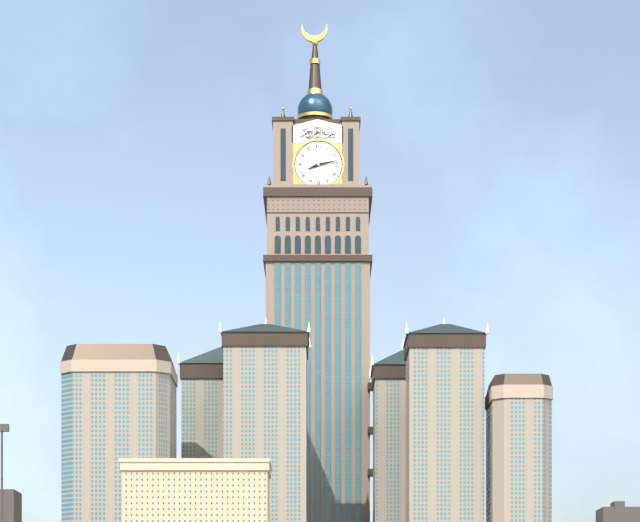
8:13
